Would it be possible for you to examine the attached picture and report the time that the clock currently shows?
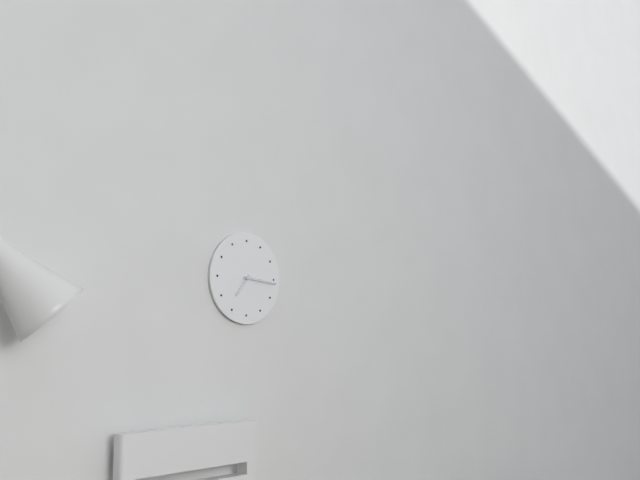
7:16
